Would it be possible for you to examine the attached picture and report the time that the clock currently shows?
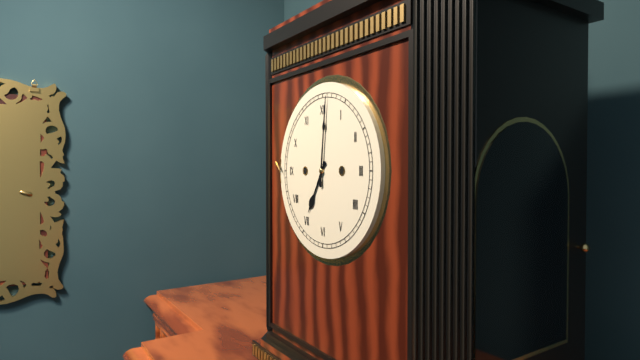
7:01
